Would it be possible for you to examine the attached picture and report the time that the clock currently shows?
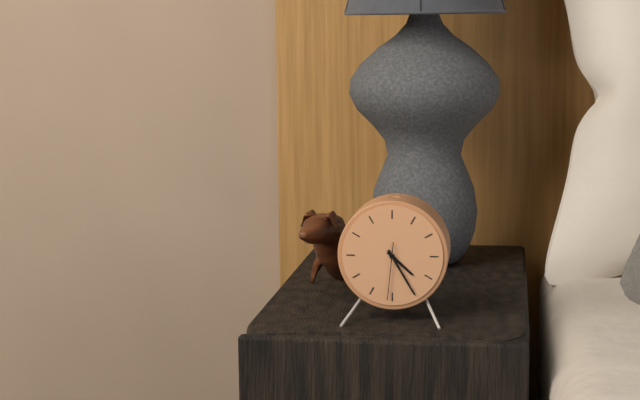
4:25:31
